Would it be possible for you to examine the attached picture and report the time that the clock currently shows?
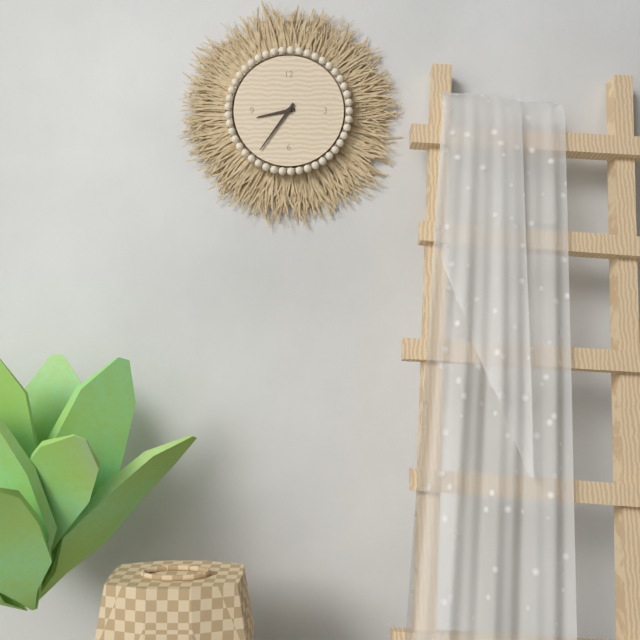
8:36
